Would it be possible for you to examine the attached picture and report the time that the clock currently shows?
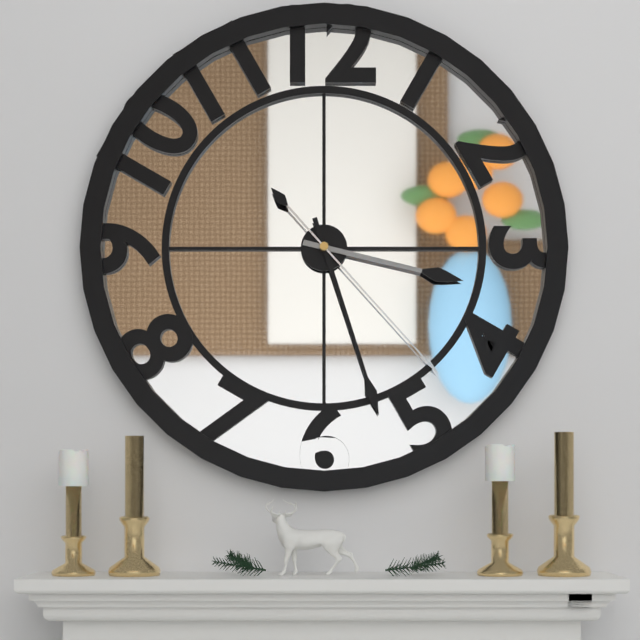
3:27:23
